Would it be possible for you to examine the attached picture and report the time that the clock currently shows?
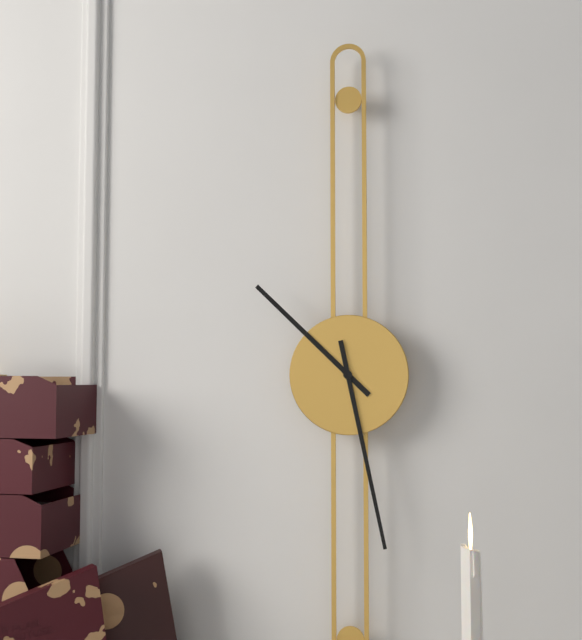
10:28
